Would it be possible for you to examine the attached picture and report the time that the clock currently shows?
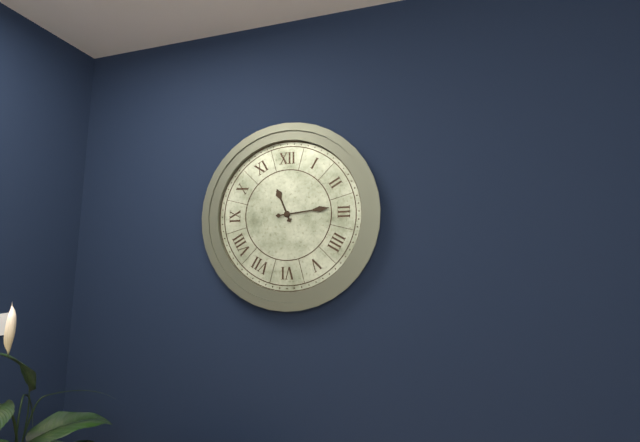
11:14
